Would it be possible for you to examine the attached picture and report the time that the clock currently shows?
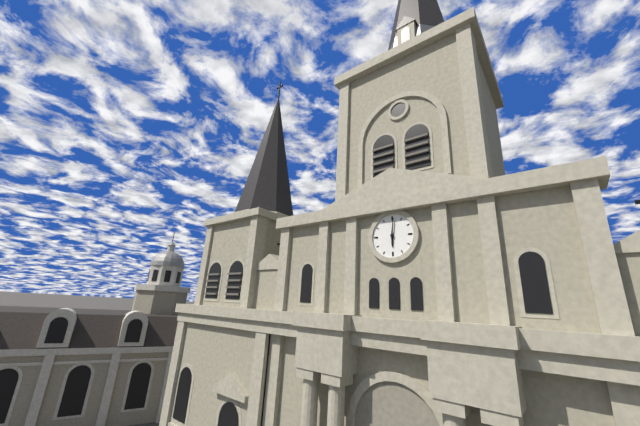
6:01
